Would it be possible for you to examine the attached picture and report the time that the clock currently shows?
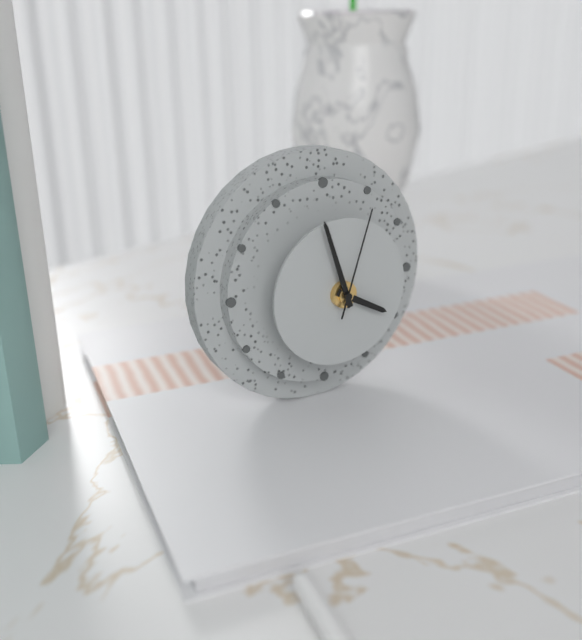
3:57:03
